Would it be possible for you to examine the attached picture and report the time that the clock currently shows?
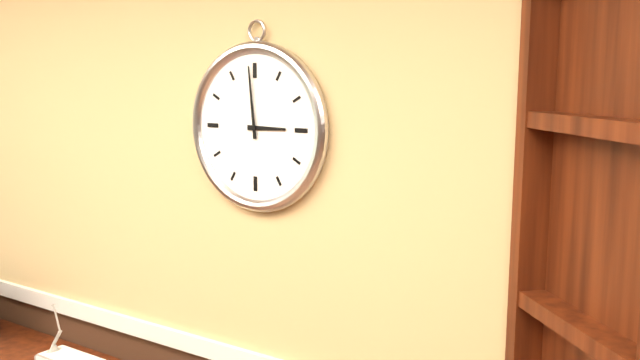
2:59
